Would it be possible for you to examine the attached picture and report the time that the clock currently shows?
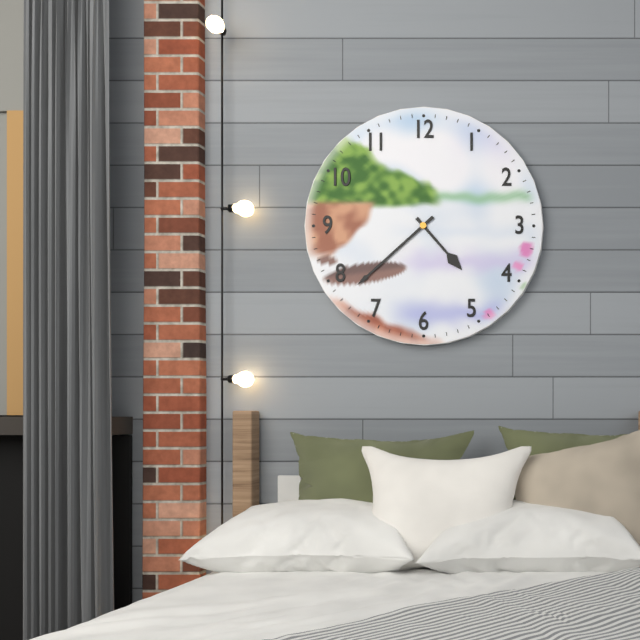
4:38
